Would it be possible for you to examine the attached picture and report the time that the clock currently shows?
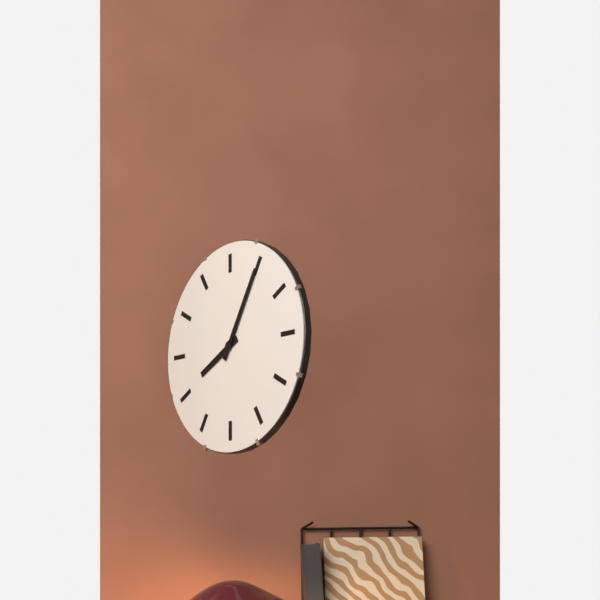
8:05
